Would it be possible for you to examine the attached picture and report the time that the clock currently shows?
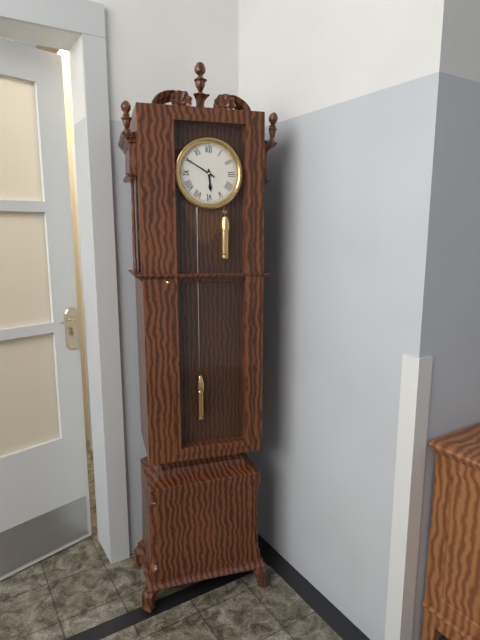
5:50
